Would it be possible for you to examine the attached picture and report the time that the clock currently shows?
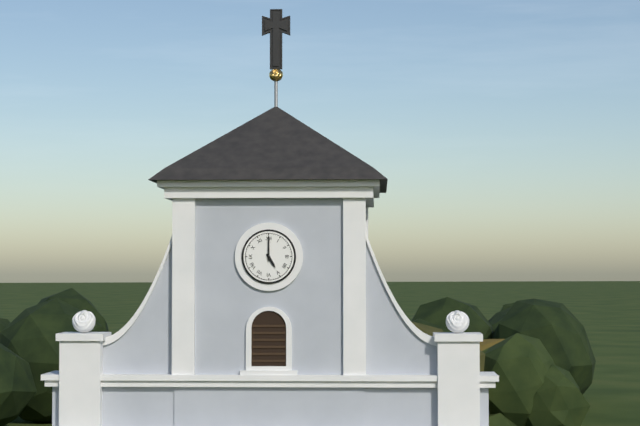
5:00
